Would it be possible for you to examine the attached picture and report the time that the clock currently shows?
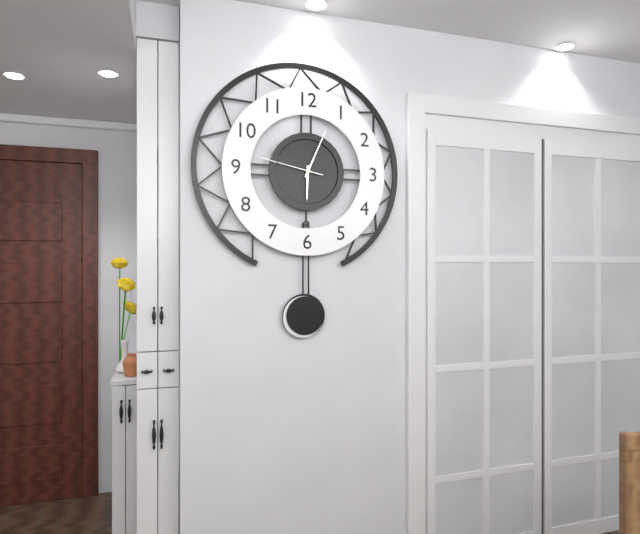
6:04:47
